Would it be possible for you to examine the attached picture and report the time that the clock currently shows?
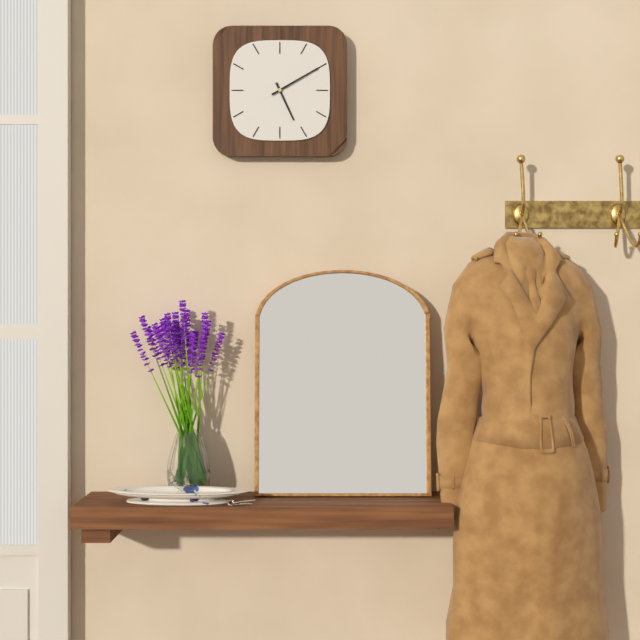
5:10
